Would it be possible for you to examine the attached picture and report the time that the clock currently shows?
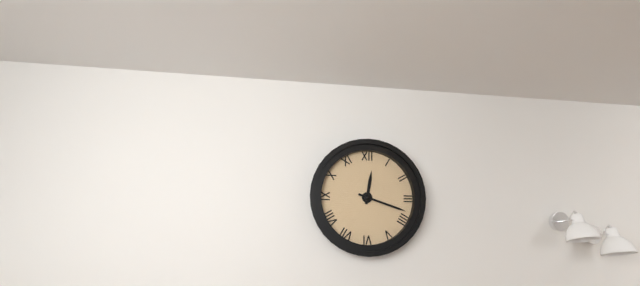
12:18
